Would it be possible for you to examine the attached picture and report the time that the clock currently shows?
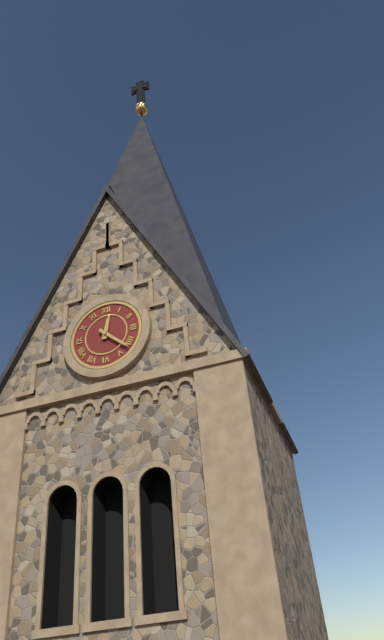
12:22
